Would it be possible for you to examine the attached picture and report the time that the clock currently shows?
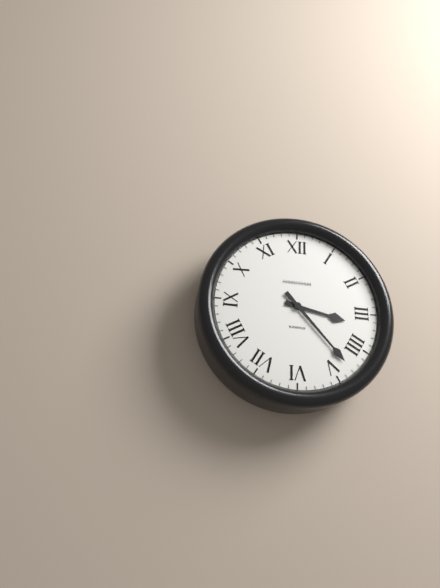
3:23
